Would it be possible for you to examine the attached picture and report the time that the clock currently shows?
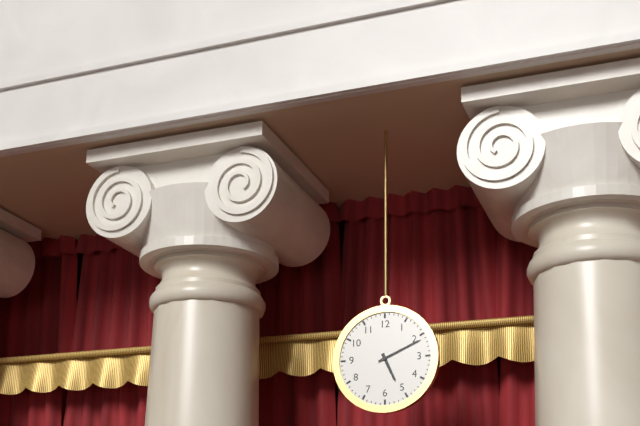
5:11
